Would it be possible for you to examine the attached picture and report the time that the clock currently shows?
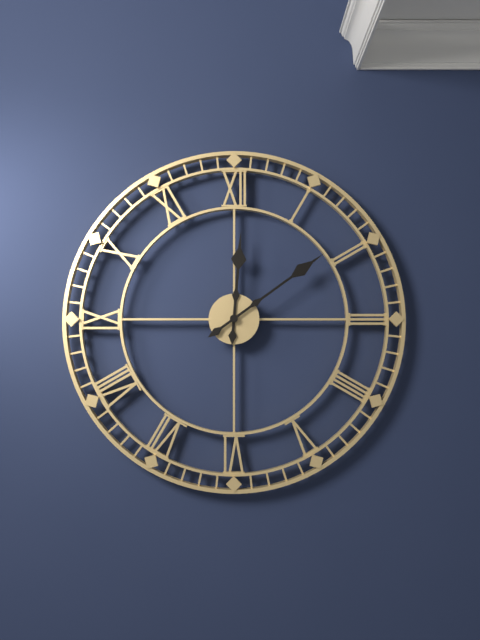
12:09
